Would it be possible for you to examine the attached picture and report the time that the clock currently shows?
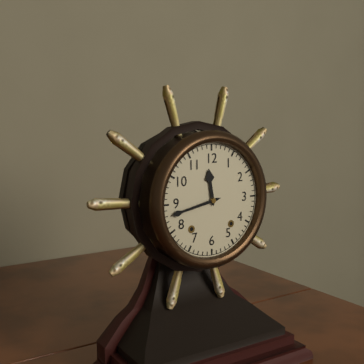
11:43
